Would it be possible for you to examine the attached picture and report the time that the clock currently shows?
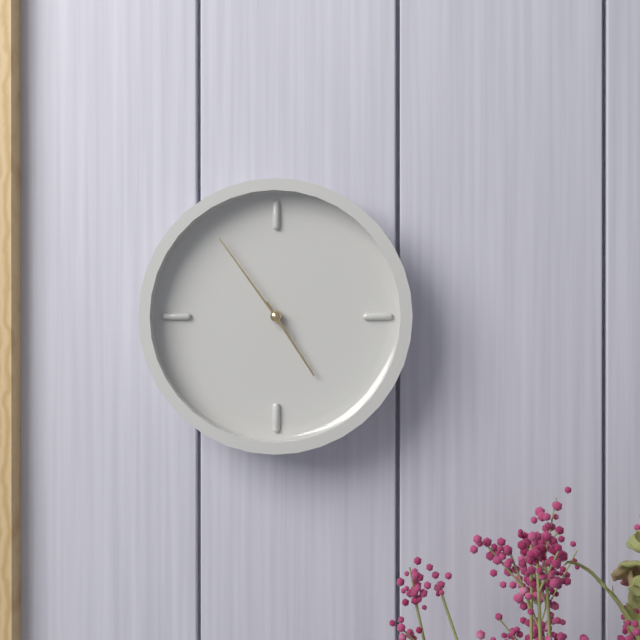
4:54
